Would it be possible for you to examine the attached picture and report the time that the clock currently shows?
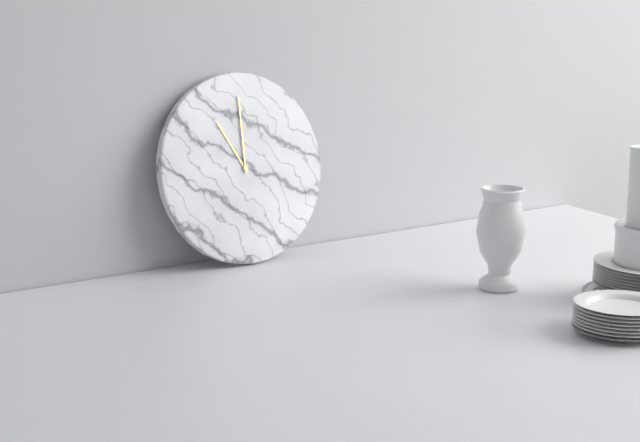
11:00
